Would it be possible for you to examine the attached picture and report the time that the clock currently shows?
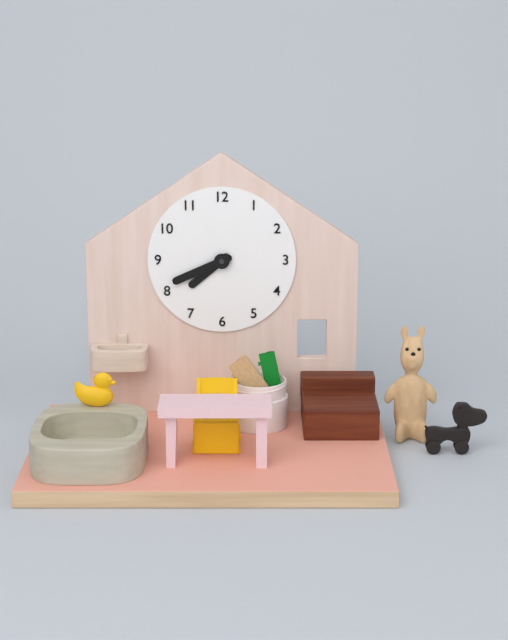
7:41
